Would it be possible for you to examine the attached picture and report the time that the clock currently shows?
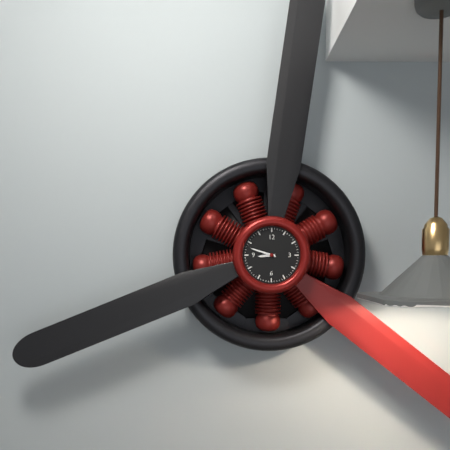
8:48
